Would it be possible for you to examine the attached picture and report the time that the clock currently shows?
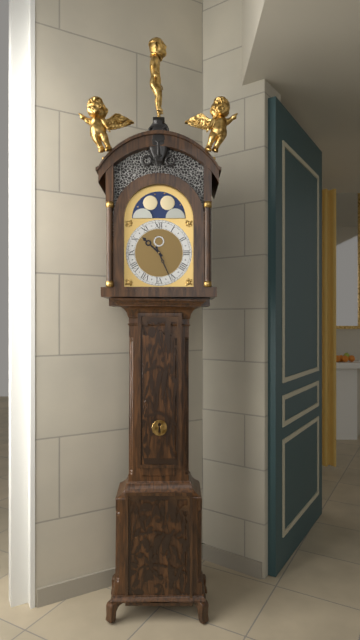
10:26
